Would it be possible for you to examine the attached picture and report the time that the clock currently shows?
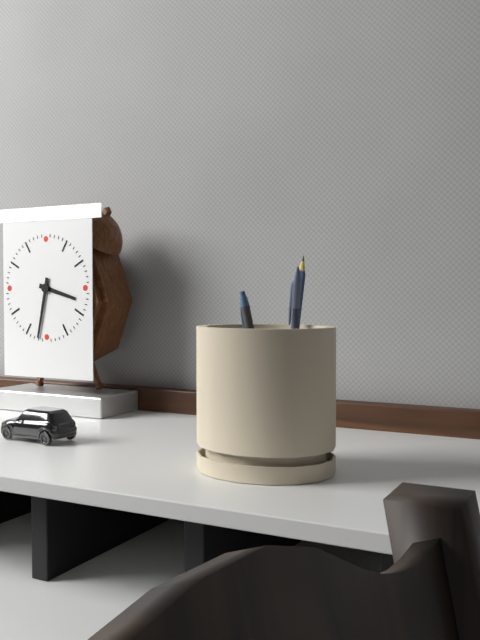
3:32
